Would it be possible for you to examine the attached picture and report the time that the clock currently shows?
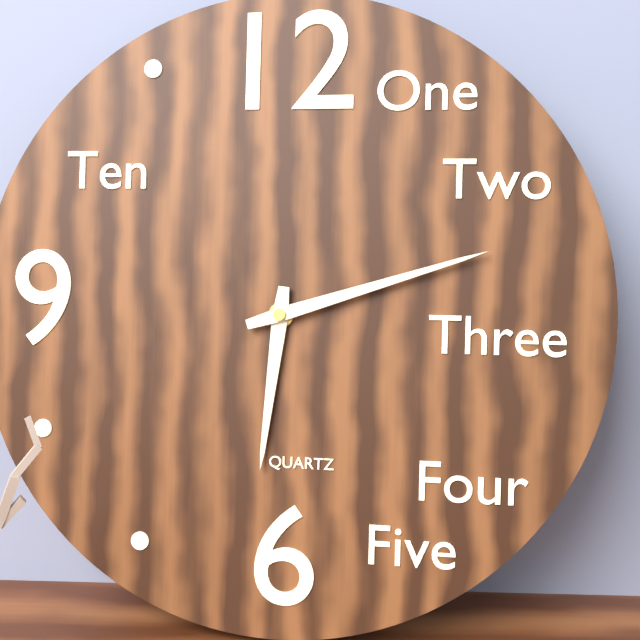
6:12
